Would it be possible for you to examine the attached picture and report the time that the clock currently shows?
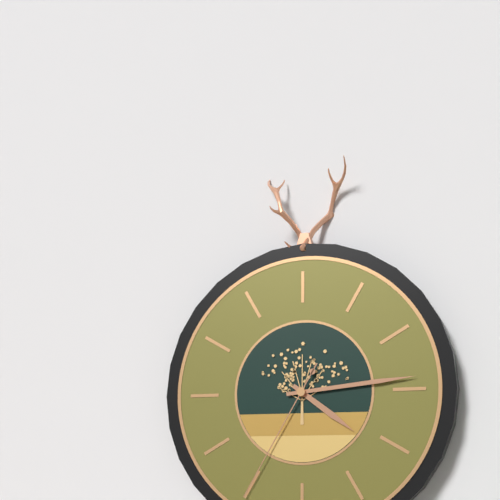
4:14:35
